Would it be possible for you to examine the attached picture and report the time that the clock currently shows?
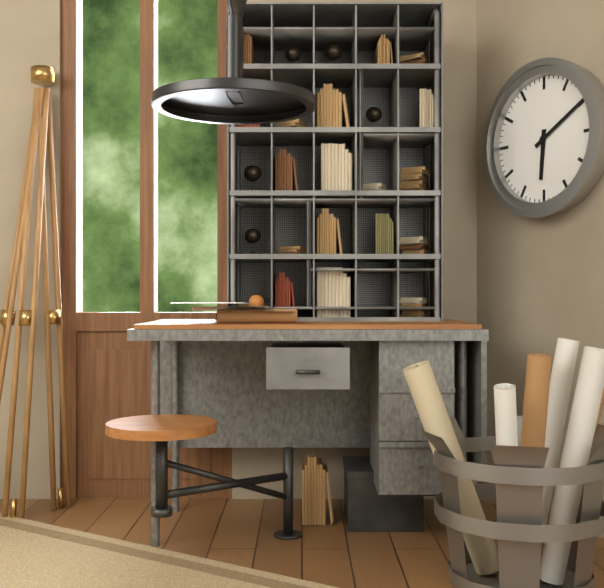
6:10
